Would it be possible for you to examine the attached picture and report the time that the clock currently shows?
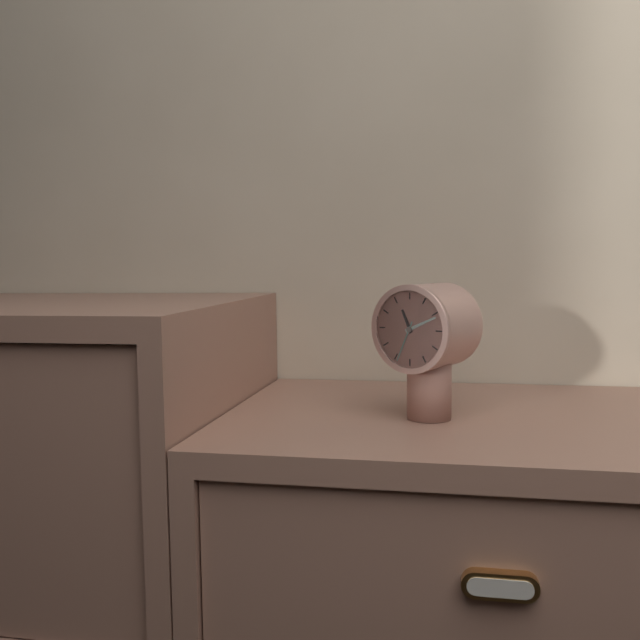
11:11
